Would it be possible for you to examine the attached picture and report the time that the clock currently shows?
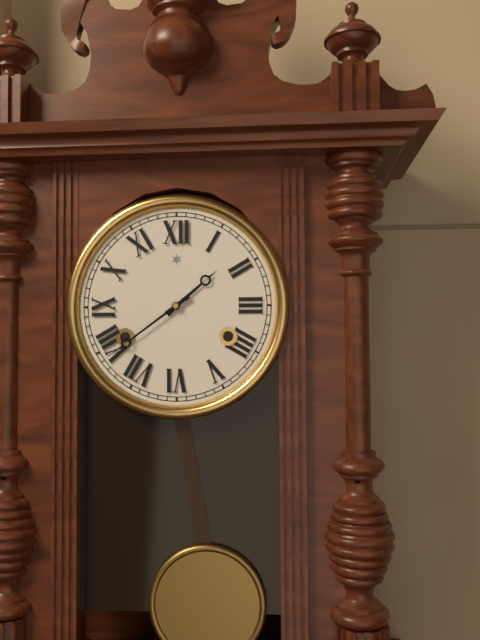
1:39
